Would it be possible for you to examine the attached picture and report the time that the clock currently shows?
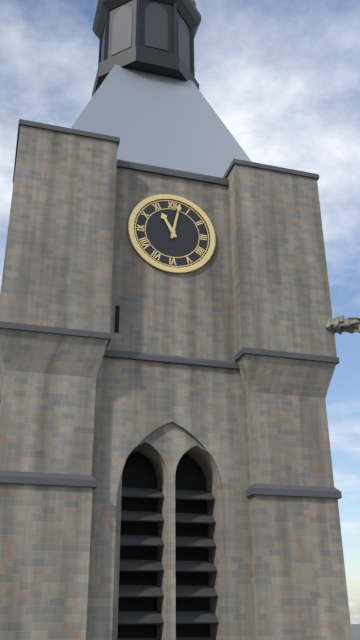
11:02
